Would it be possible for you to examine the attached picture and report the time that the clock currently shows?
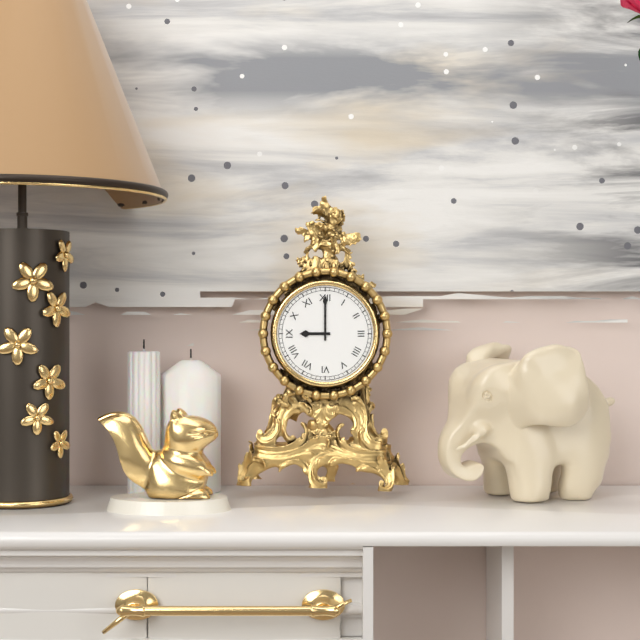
9:00
